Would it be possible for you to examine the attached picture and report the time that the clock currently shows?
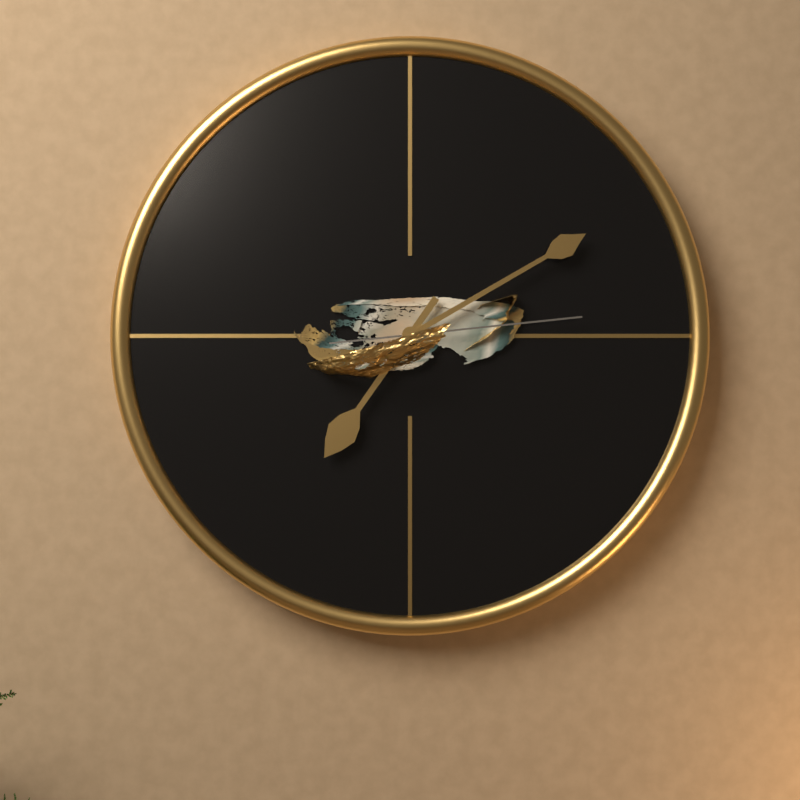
7:10:14
